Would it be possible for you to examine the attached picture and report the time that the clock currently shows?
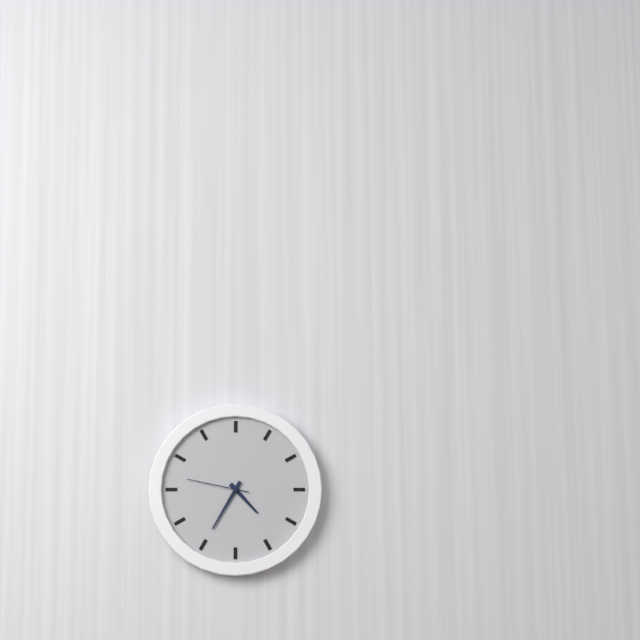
4:35:47
